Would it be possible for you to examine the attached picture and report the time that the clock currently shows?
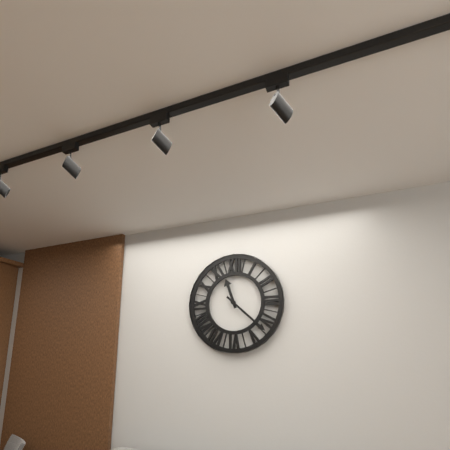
11:22
